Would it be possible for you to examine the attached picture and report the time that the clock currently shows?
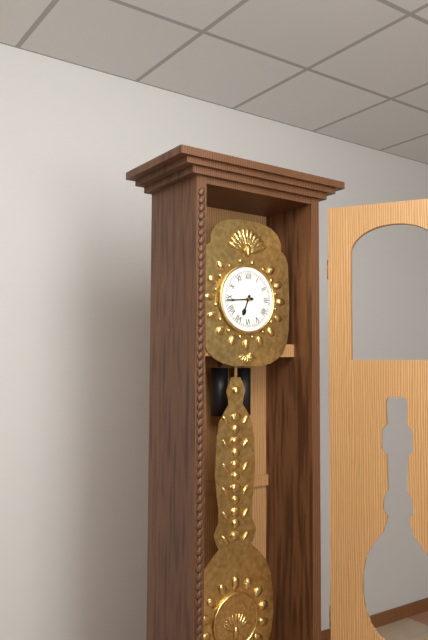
6:44
